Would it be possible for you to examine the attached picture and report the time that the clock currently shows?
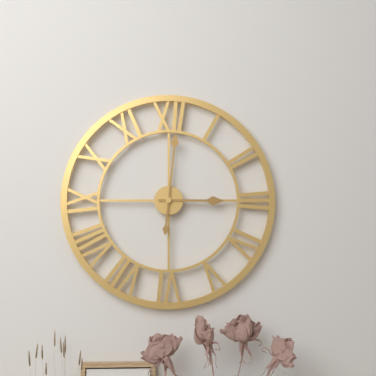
3:01
